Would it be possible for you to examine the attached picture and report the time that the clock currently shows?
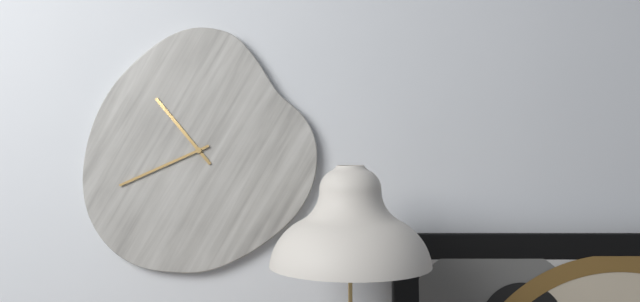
10:41
